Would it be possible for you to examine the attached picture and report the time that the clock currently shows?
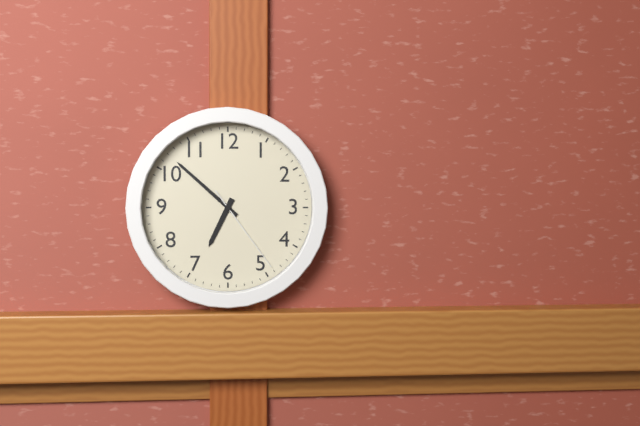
6:52:24
